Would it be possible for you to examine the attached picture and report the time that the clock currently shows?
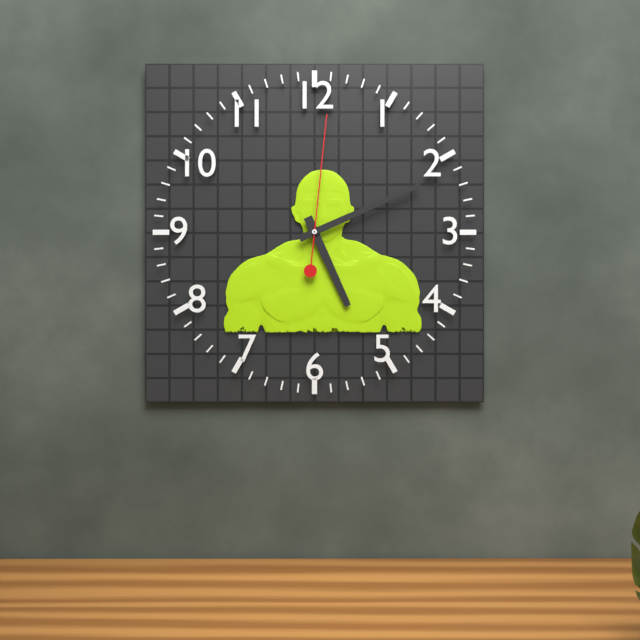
5:11:01
